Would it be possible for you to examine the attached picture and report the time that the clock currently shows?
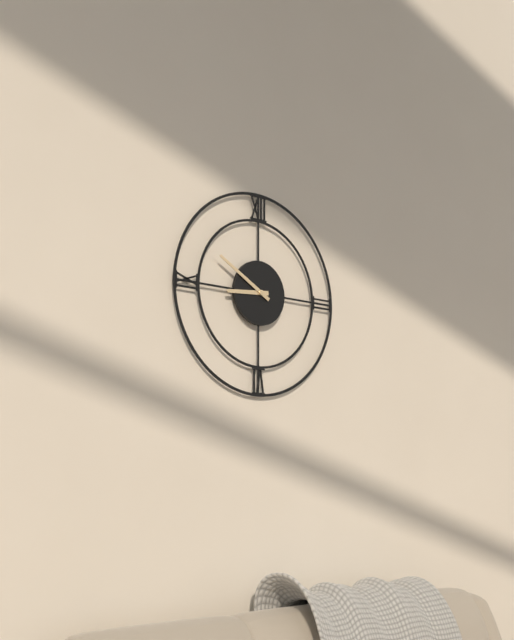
8:50
